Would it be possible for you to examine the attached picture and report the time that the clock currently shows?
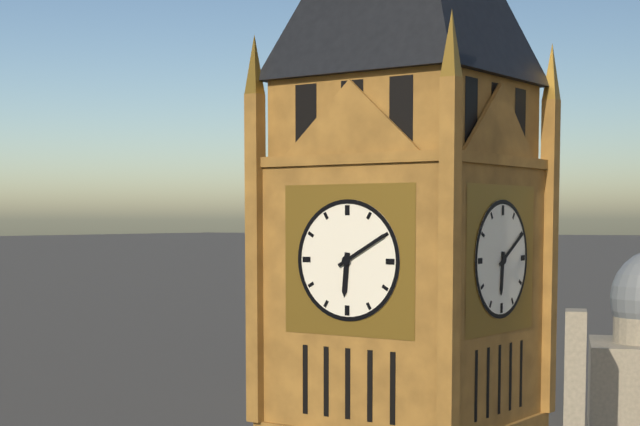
6:10
